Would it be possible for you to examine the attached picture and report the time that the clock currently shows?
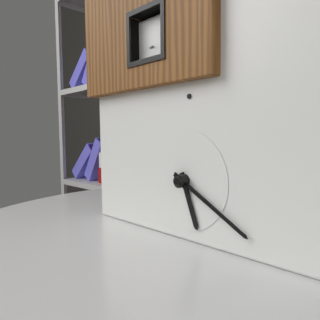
5:20
